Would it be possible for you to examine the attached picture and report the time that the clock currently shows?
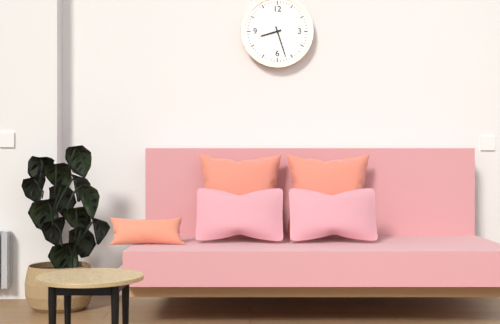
8:27
